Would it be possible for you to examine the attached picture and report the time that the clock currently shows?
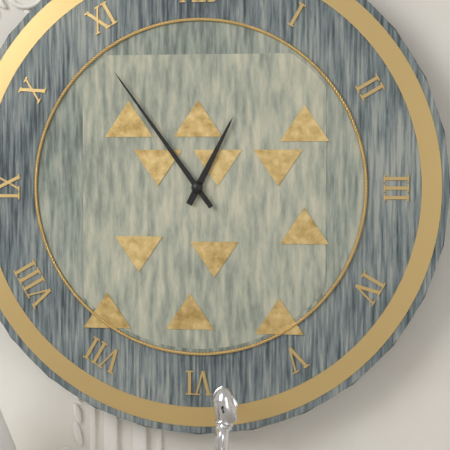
12:54
